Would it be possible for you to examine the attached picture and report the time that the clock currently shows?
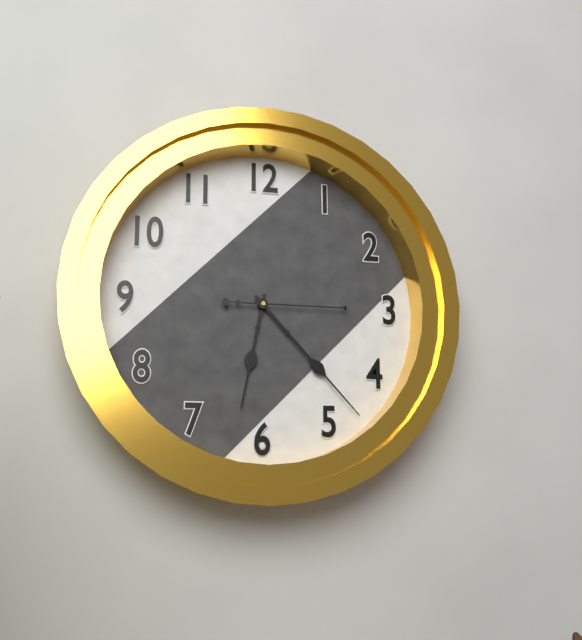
6:23:15
